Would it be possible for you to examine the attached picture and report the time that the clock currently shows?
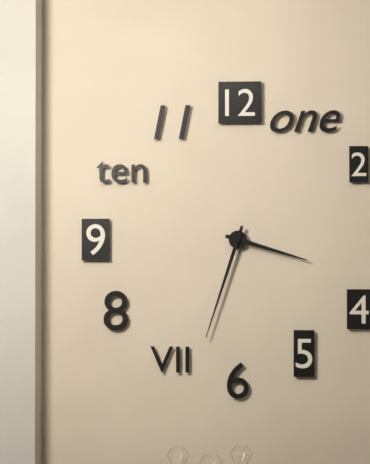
3:33
